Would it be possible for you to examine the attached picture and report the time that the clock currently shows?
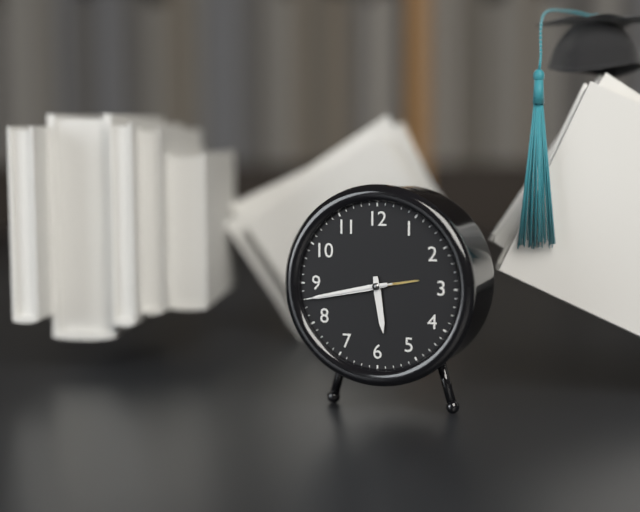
5:43:43
